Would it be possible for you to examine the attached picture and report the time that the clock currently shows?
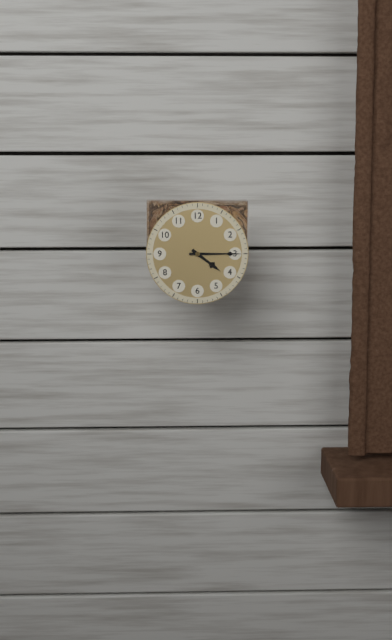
4:15
